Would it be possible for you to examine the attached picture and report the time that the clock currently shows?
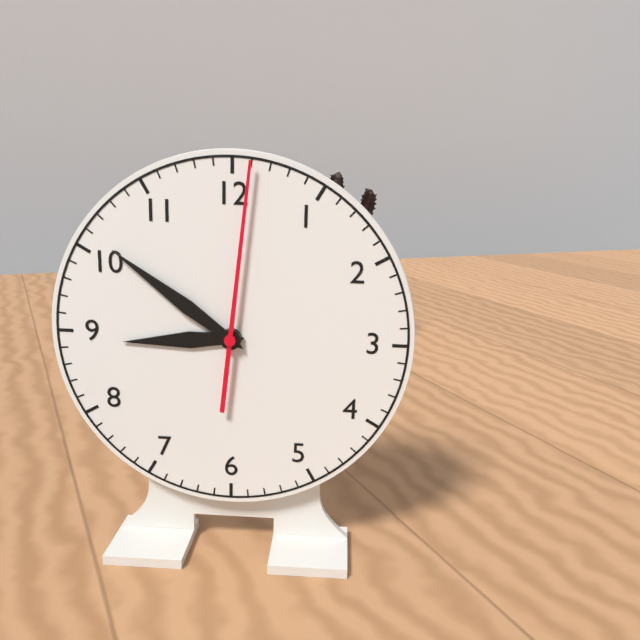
8:51:01
